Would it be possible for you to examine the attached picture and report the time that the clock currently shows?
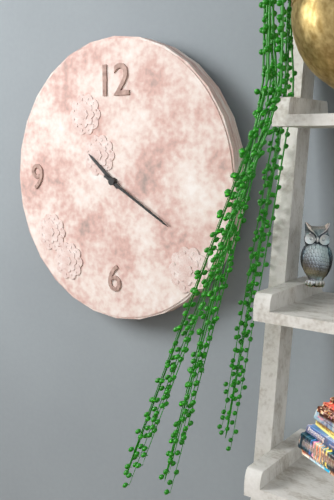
10:20
